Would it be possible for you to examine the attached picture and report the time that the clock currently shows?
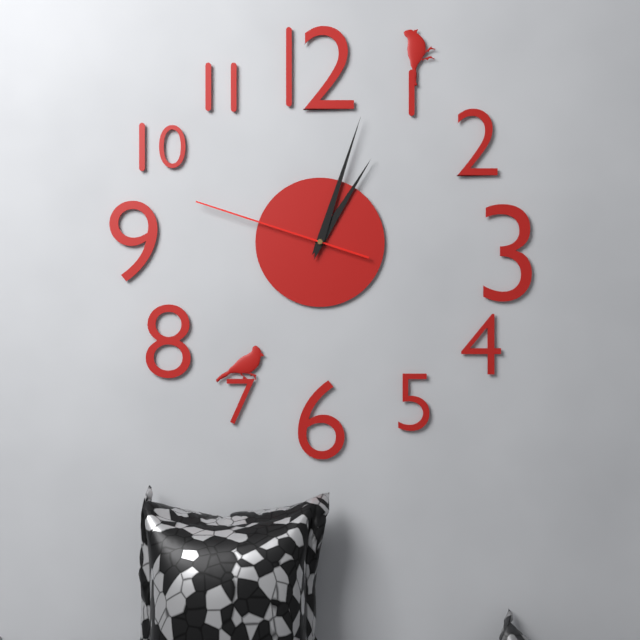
1:03:48
